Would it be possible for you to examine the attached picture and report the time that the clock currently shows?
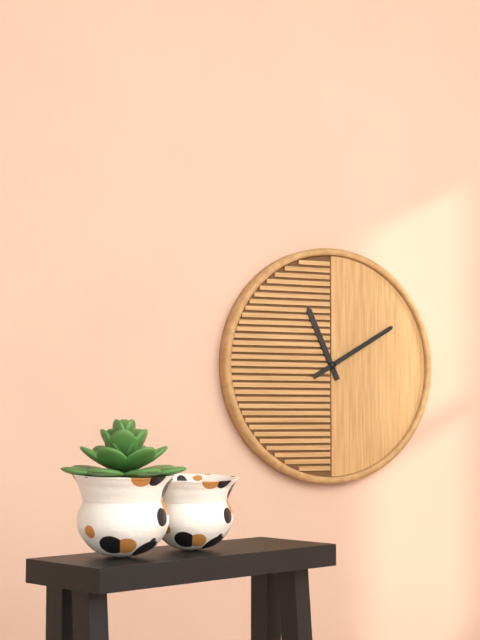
11:10
